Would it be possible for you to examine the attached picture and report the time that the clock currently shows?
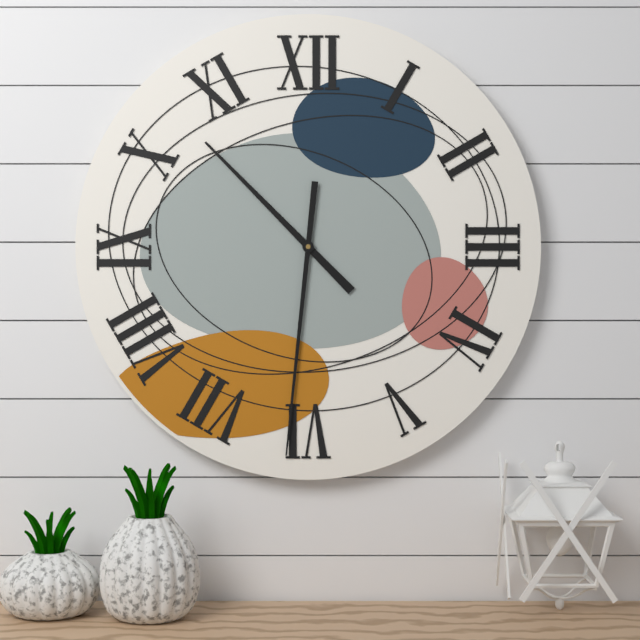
10:31
